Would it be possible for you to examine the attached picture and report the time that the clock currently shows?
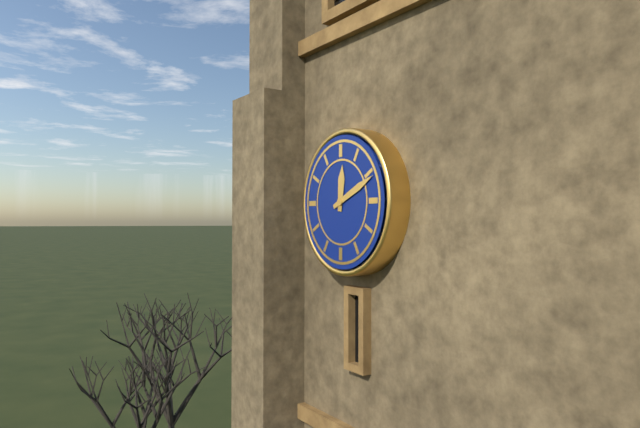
12:11
